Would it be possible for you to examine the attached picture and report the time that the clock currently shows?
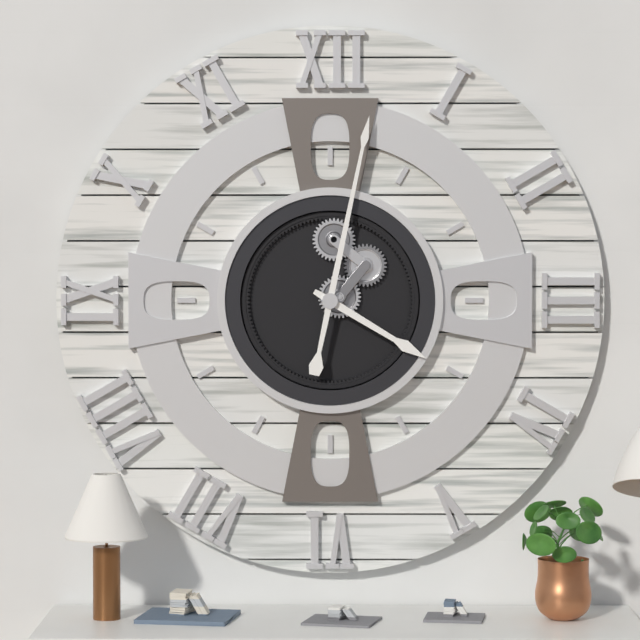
4:02
